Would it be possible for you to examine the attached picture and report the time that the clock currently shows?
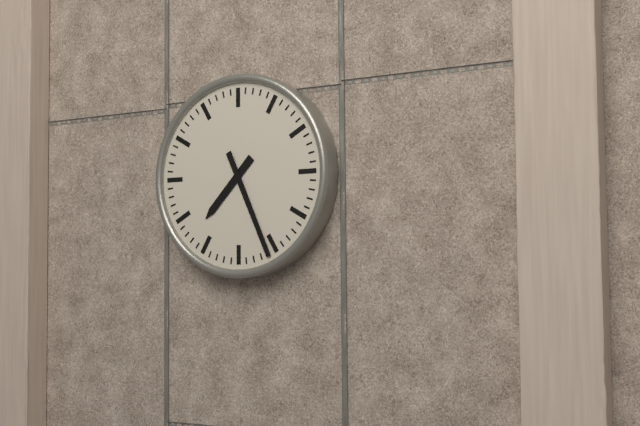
7:26
